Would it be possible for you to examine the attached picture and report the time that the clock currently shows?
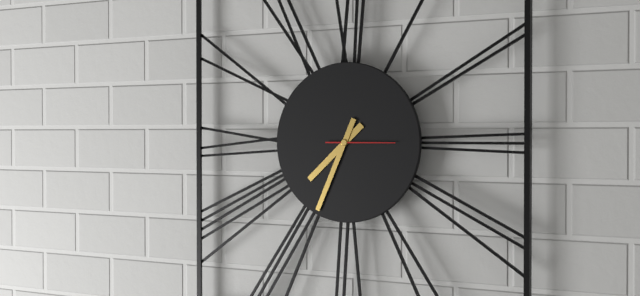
7:34:15
